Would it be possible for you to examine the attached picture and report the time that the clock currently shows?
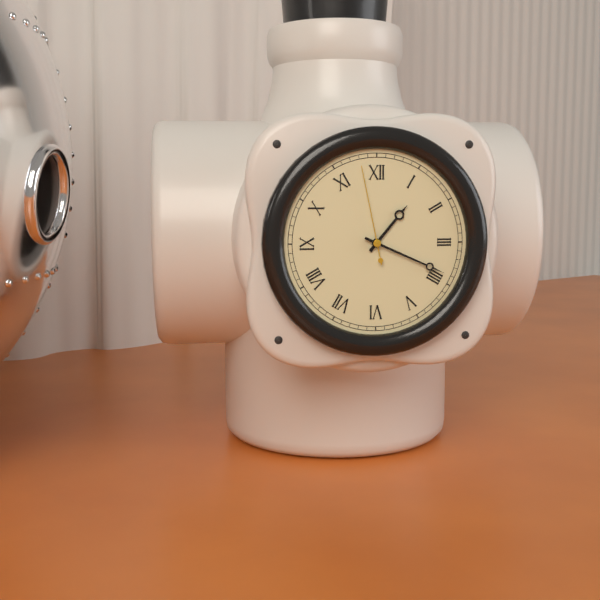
1:19:58
